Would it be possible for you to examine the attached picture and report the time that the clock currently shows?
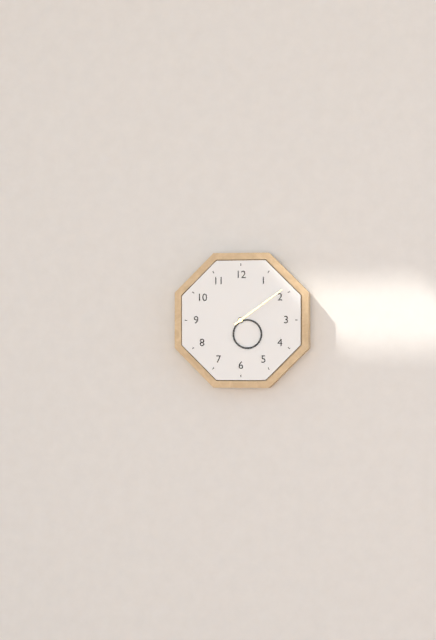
5:09
